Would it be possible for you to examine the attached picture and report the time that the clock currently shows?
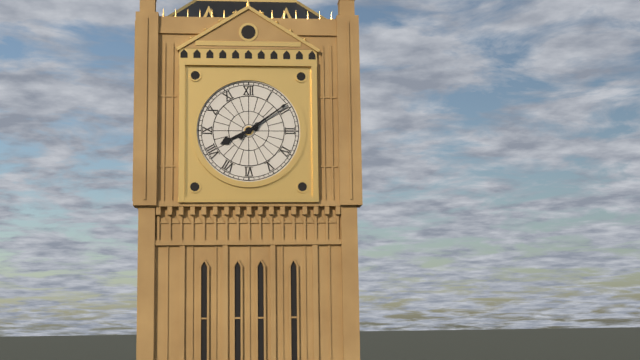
8:09
